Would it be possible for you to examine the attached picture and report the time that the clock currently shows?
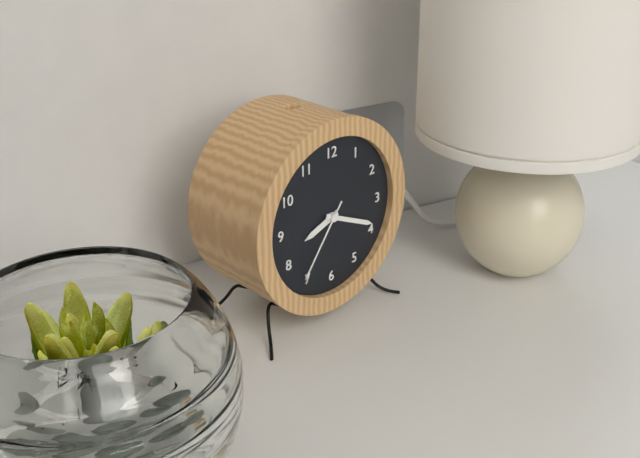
8:19:36
